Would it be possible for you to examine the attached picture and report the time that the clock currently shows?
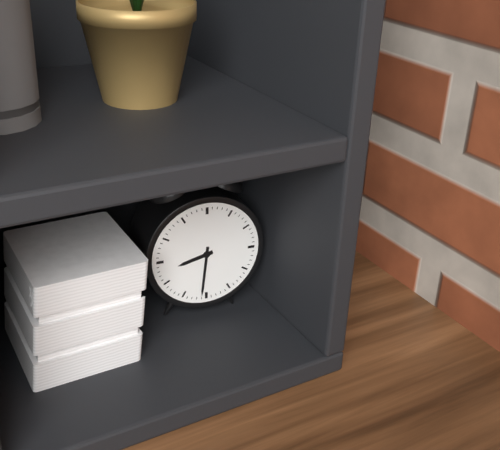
8:31
